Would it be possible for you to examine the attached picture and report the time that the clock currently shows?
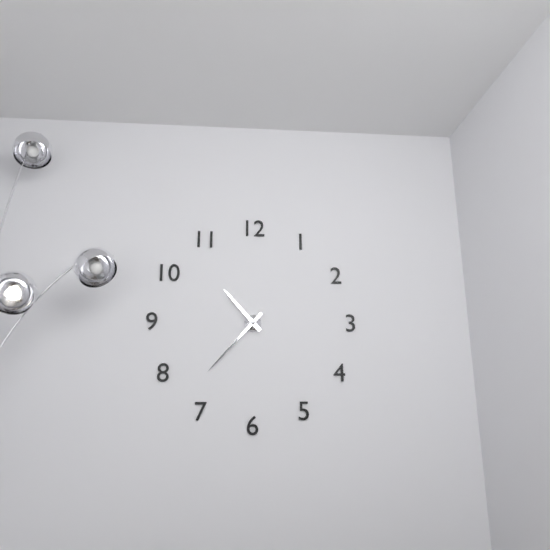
10:37
